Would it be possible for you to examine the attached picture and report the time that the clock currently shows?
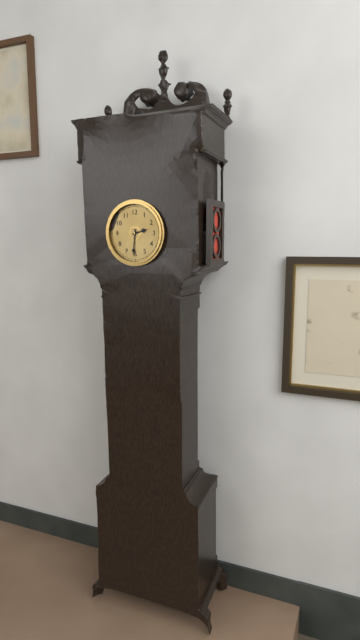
2:31
